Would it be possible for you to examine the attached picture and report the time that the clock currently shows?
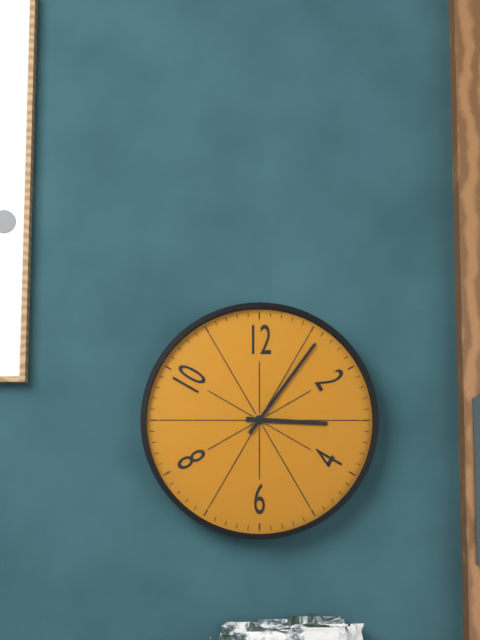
3:06
